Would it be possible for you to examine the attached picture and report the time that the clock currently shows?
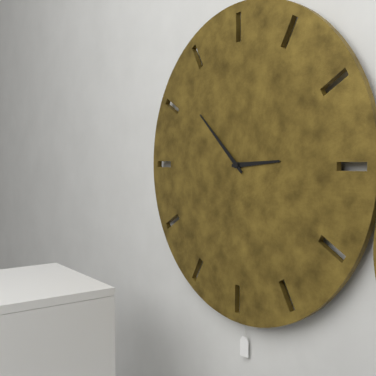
2:52
